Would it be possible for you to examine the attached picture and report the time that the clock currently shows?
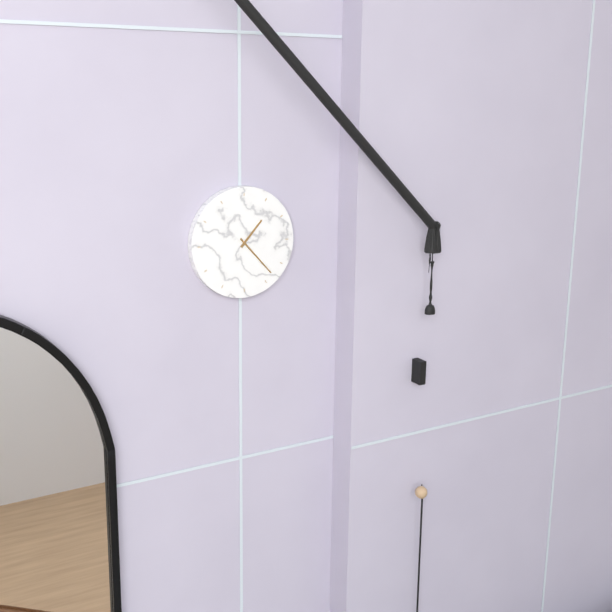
1:23
